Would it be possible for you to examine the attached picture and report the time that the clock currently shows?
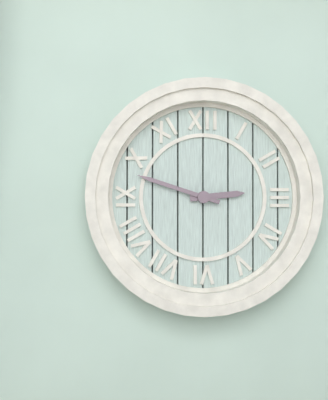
2:48
